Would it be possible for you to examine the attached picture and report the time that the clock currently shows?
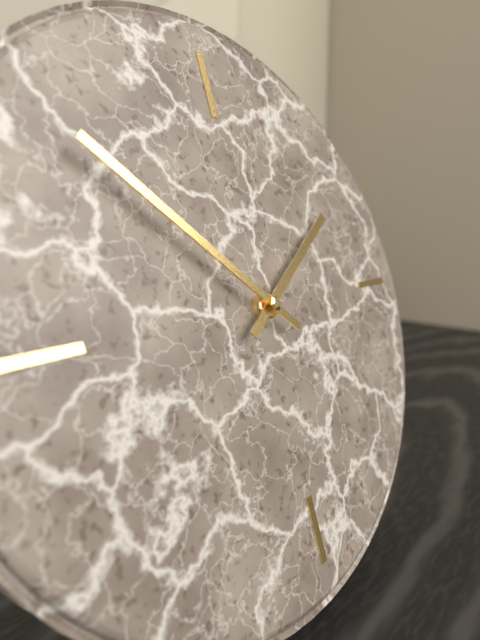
1:52
